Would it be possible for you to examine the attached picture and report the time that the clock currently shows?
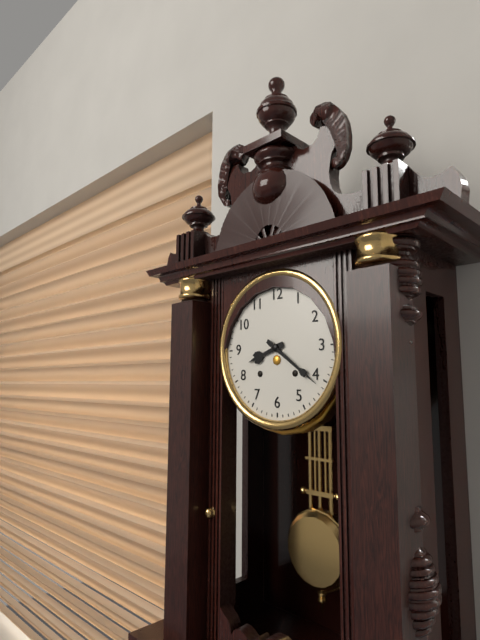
8:21
